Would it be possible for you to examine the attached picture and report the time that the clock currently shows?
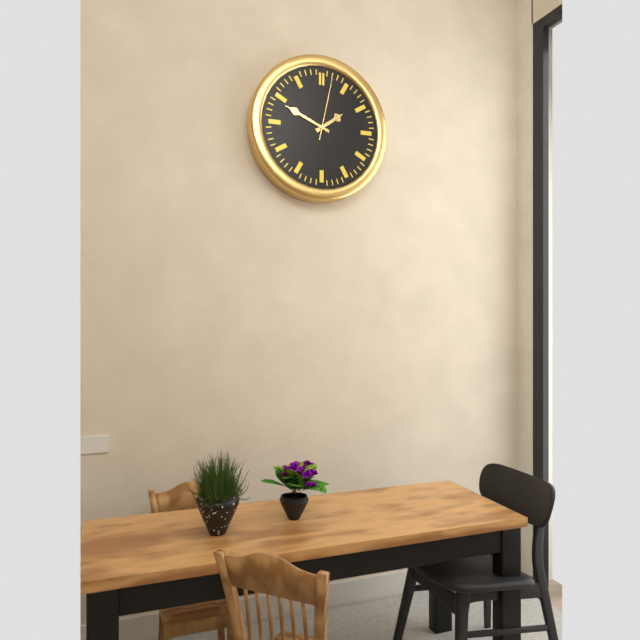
1:49:02
